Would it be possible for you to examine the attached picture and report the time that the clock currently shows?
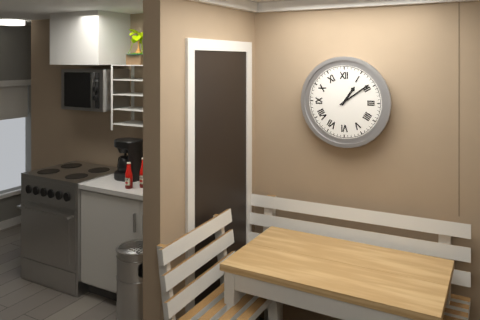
1:09
